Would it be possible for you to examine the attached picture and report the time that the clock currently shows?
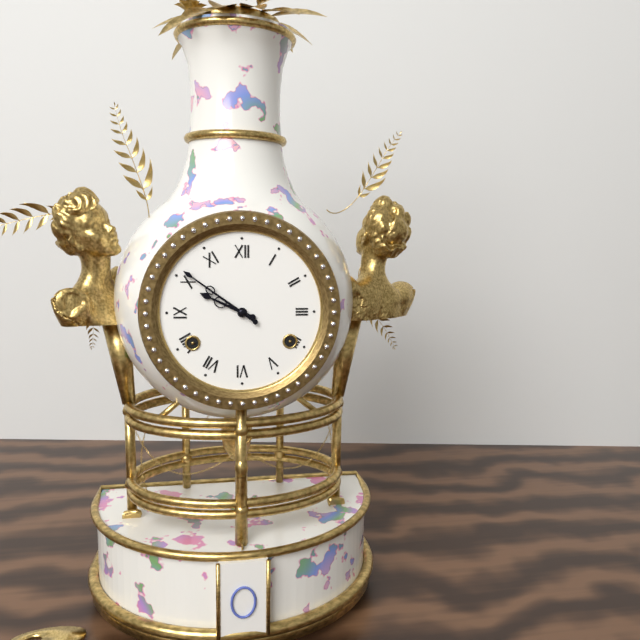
9:51
